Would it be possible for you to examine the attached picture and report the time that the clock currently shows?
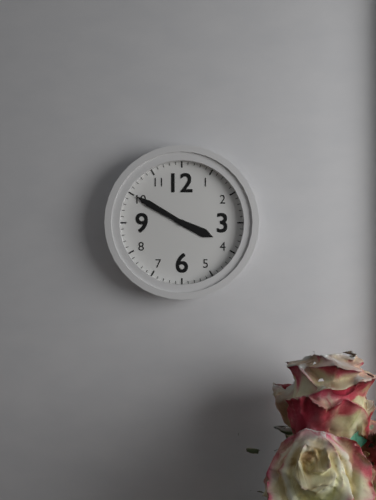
3:50
